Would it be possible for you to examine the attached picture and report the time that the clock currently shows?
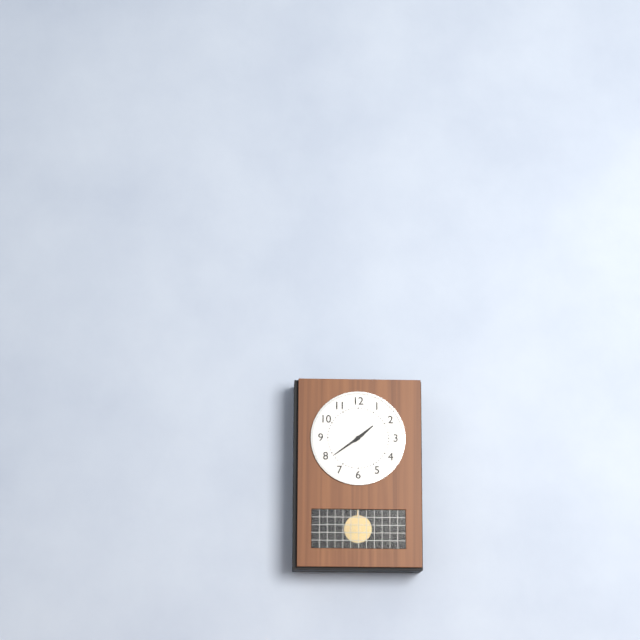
1:39
